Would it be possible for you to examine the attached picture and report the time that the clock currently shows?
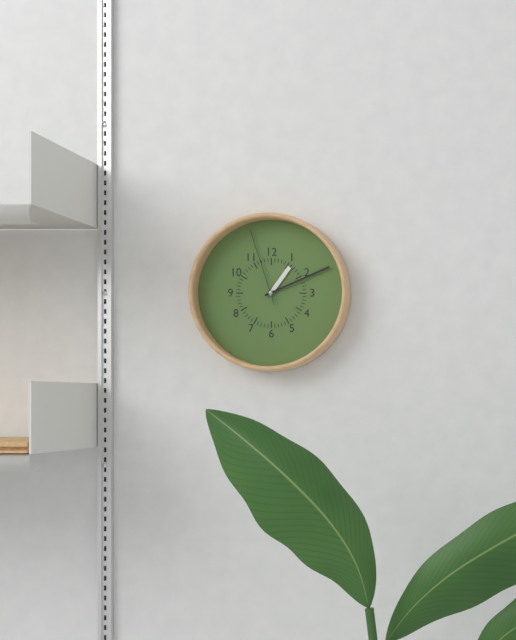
1:11:57
